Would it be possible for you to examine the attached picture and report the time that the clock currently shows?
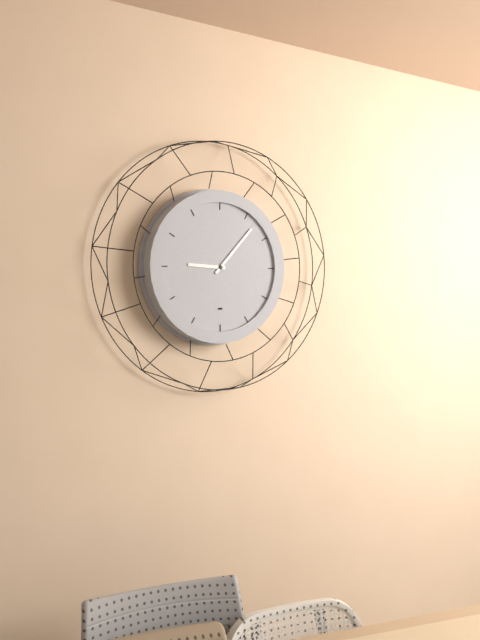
9:07
